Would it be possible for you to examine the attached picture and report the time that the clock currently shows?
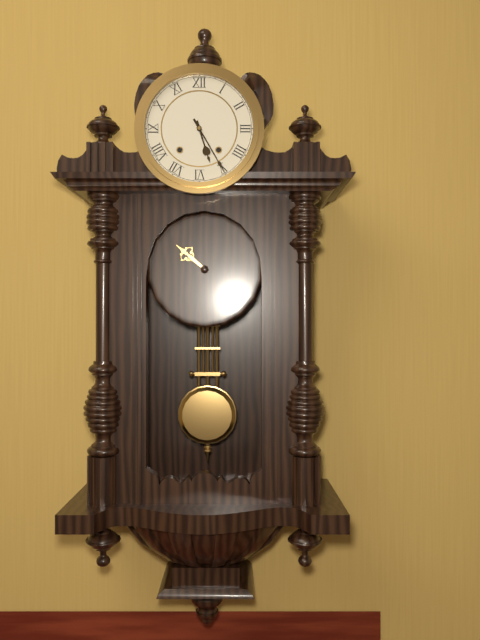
5:25
